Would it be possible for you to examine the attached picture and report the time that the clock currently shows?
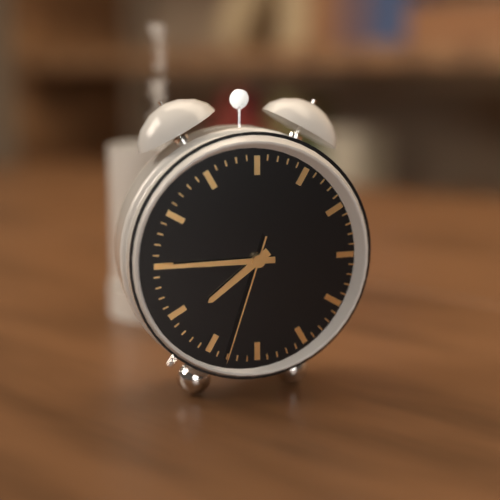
7:45:33
